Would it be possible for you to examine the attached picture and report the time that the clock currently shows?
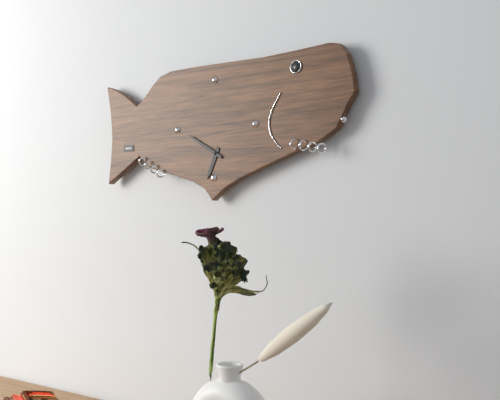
6:50
